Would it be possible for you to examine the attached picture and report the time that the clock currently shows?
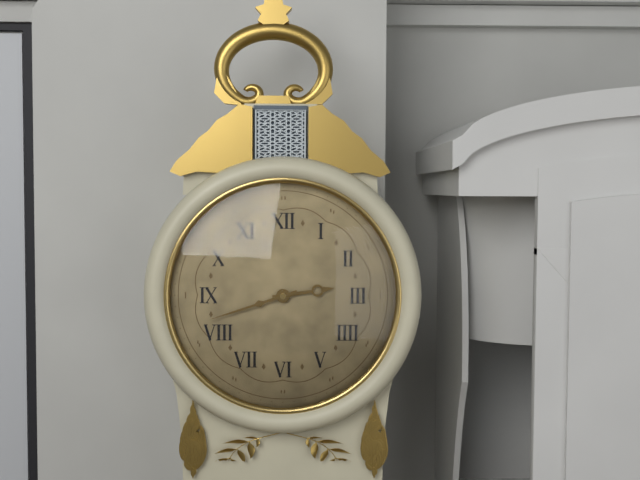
2:42
